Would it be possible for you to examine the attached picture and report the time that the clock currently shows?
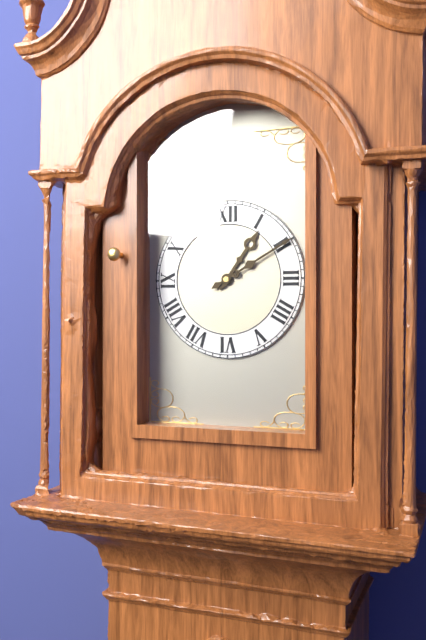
1:10
